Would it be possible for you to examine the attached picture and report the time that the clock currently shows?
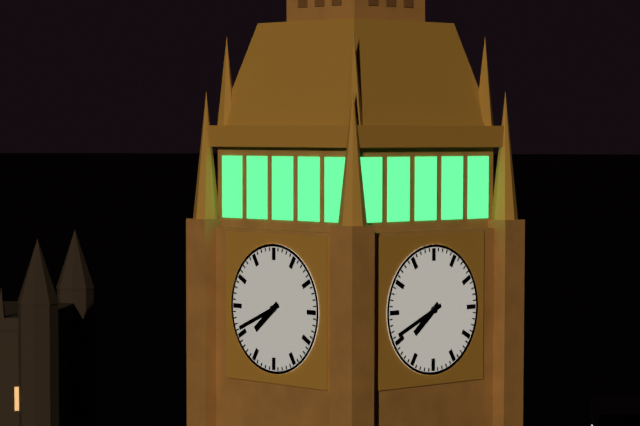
7:41
